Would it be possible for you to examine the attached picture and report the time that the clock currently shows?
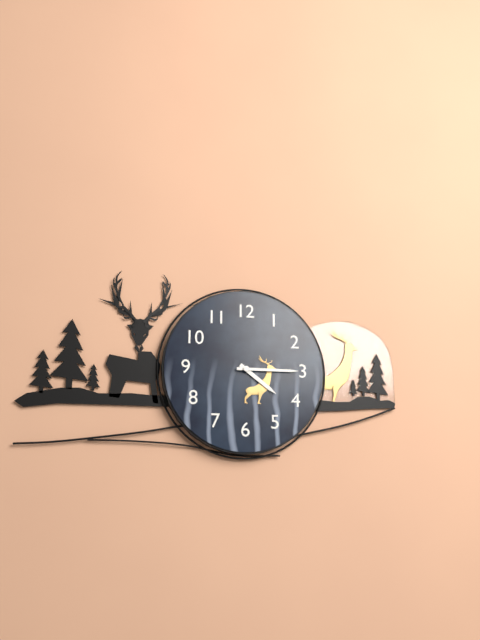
4:15
